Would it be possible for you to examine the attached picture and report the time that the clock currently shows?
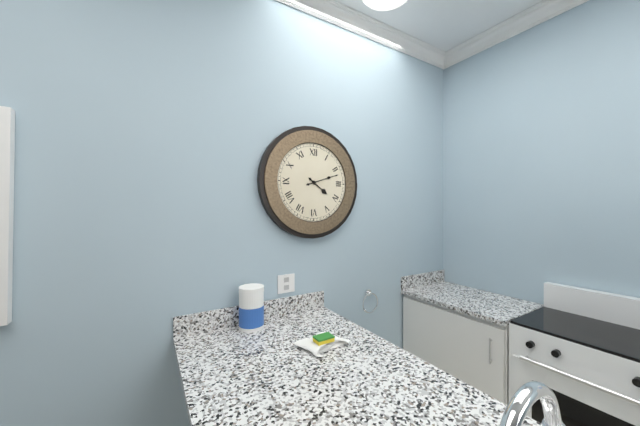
4:12
